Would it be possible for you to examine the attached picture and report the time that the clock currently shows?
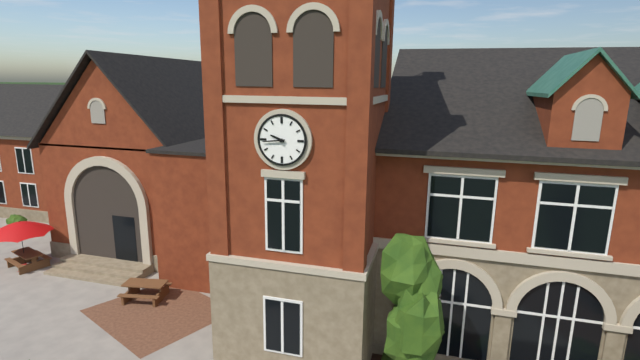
9:44
